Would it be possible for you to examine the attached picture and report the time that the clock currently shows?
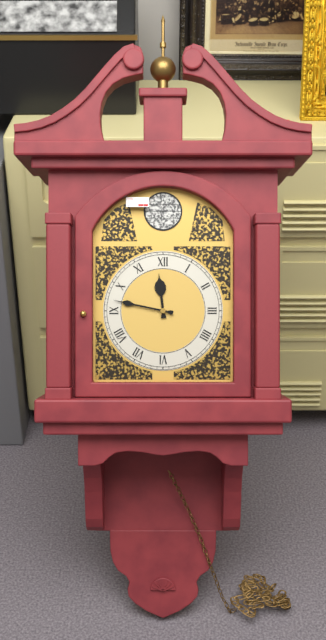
11:47
